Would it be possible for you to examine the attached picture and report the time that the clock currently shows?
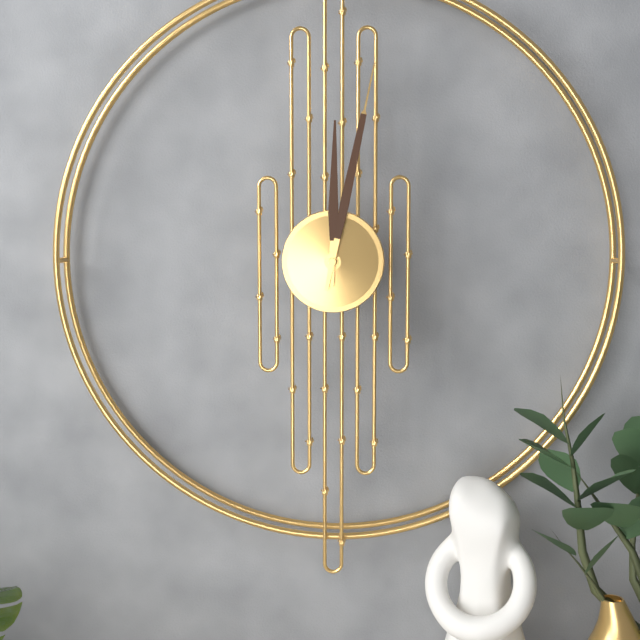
12:02
